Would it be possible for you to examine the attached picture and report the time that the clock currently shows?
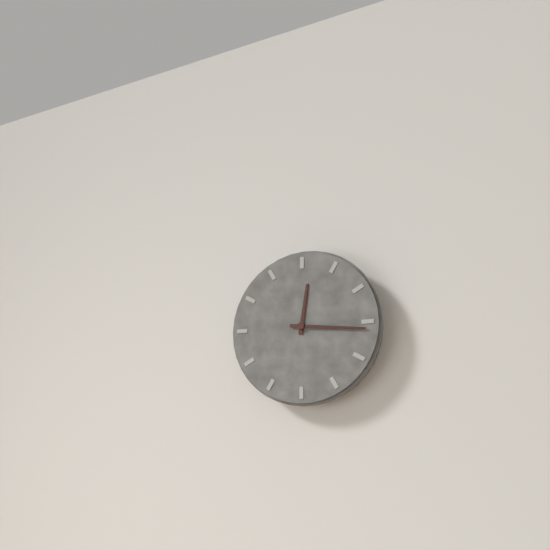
12:16
